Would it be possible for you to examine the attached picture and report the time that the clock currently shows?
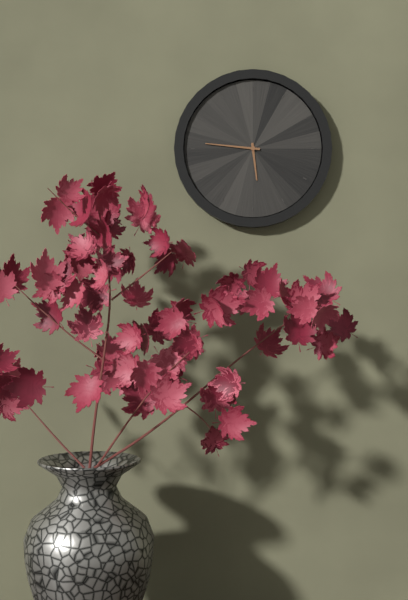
5:46
